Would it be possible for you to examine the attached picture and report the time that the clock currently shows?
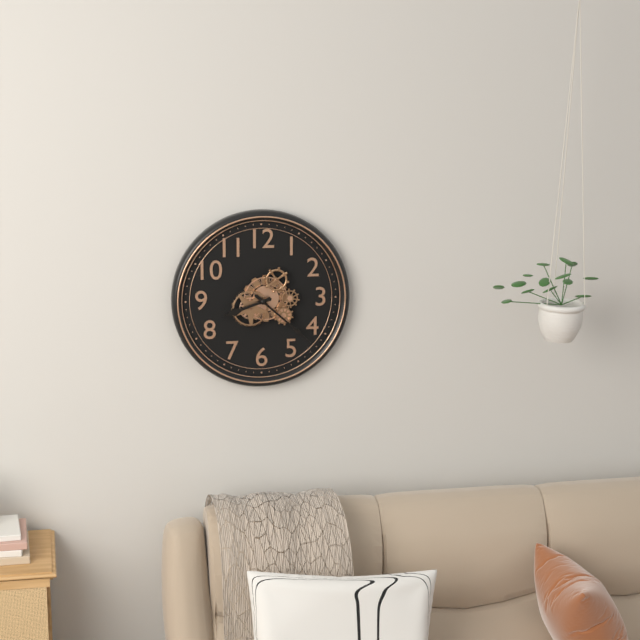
8:22
